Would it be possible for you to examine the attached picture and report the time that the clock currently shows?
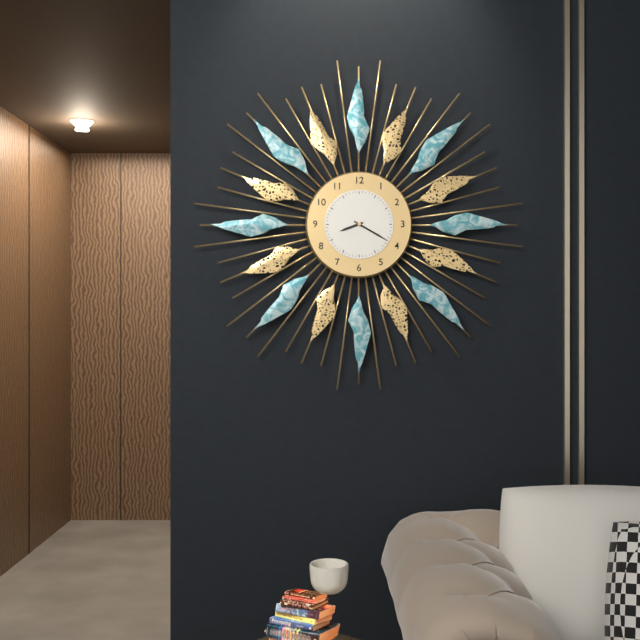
8:20
